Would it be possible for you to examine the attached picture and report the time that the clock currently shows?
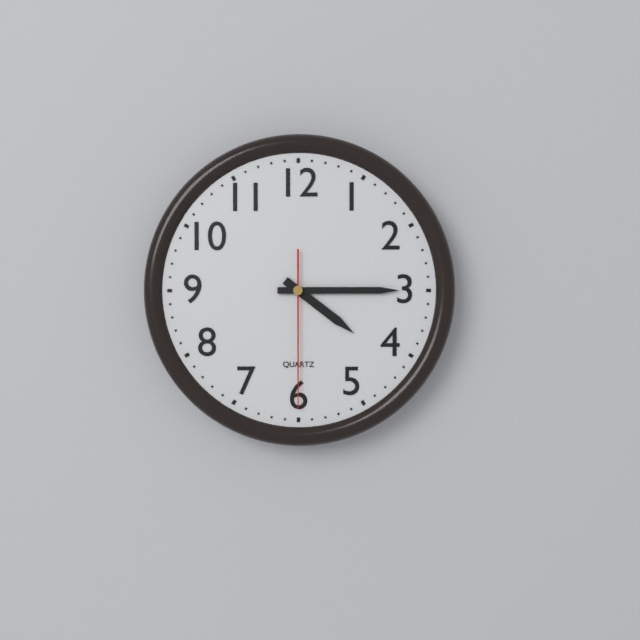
4:15:30
